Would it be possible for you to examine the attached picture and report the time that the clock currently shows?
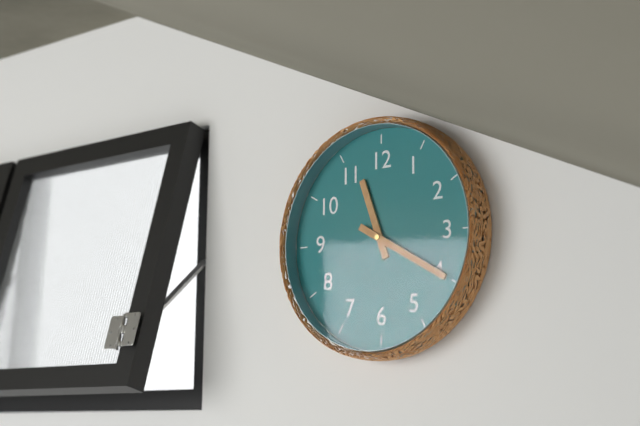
11:20
